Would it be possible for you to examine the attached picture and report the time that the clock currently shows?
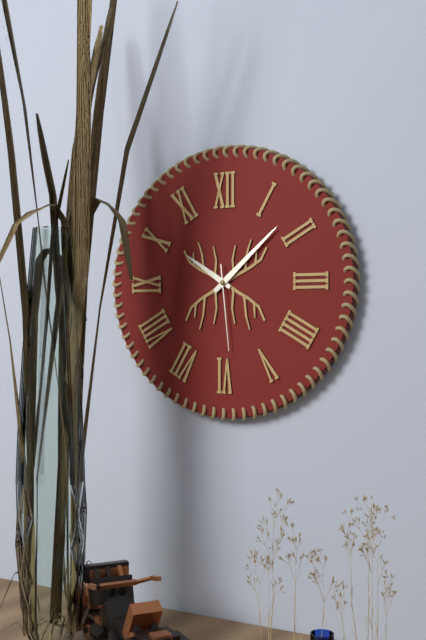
10:08:29
